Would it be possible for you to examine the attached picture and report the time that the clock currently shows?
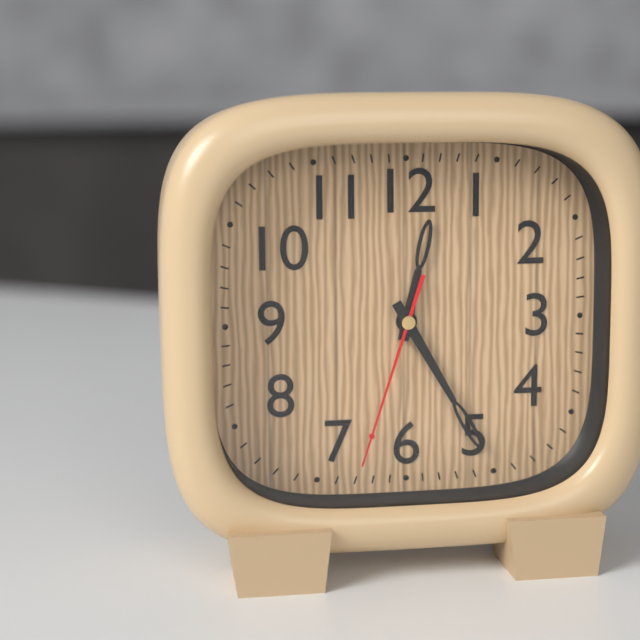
12:25:33
